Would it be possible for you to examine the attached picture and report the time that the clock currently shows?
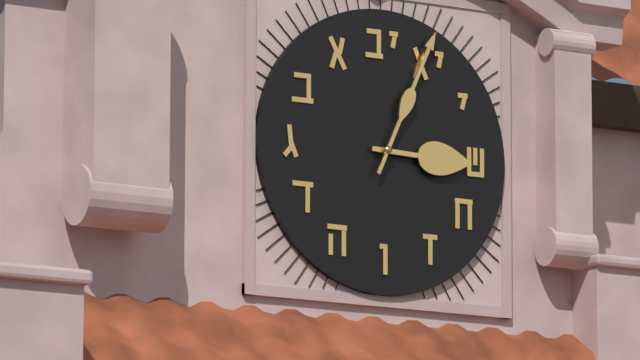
3:04
